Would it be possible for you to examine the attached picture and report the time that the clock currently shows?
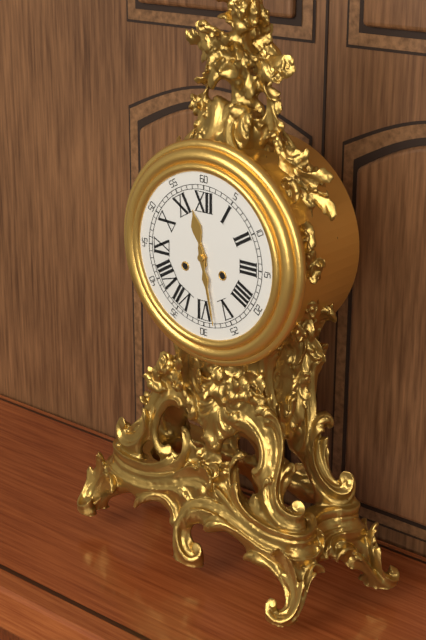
11:28
